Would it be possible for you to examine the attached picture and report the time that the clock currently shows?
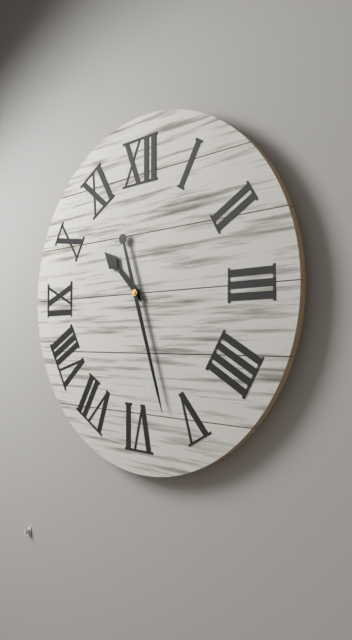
10:27
